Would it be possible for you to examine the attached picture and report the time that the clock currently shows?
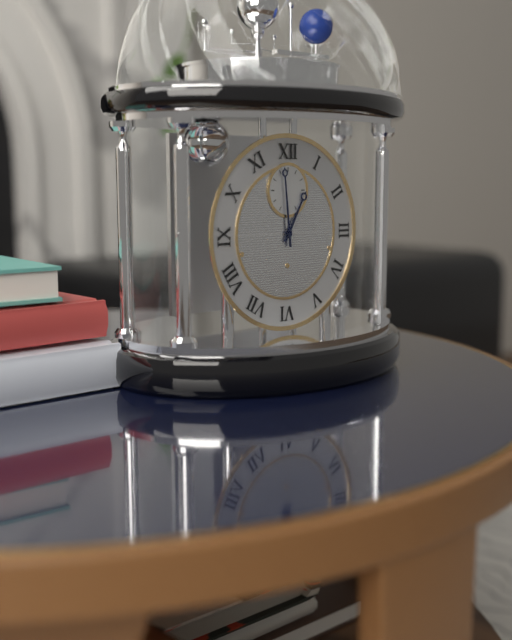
12:59
